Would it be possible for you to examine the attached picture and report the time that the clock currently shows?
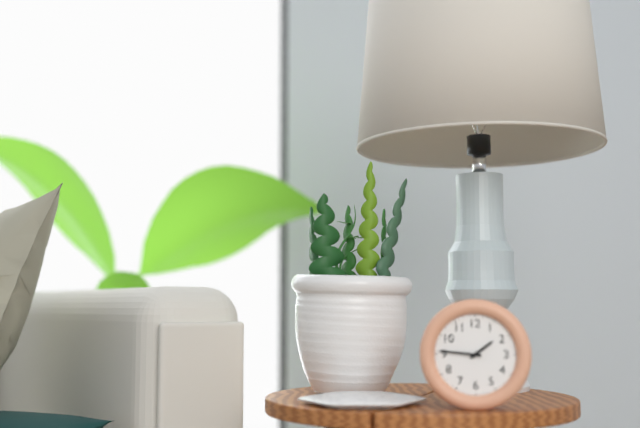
1:46
